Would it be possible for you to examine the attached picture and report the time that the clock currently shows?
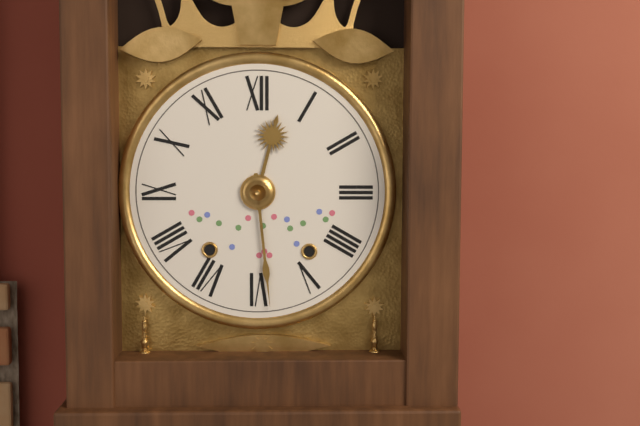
12:29
